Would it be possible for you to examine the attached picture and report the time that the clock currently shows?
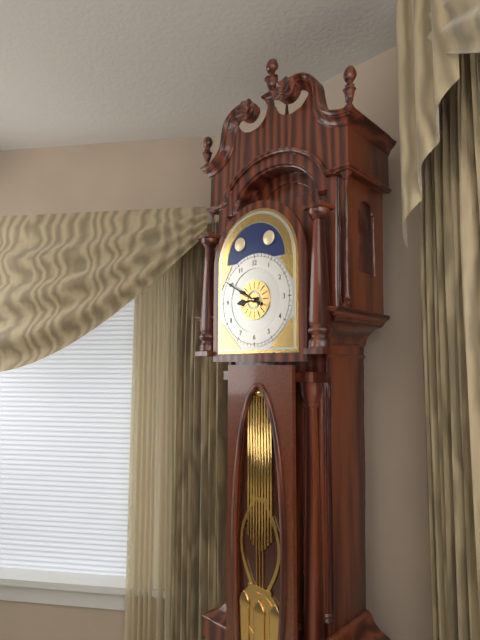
8:50
